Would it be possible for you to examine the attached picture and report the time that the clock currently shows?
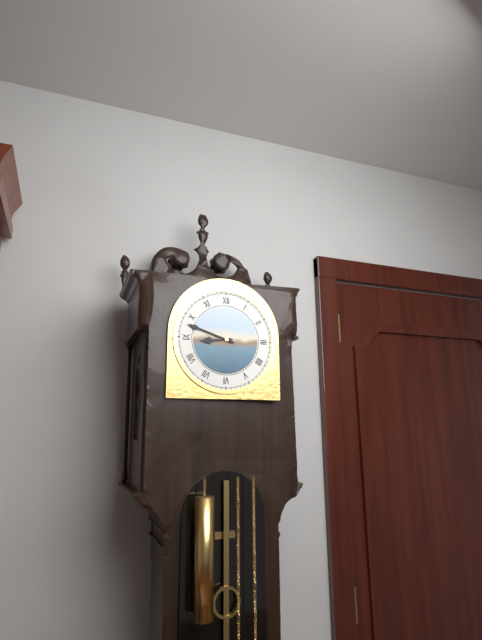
8:48
